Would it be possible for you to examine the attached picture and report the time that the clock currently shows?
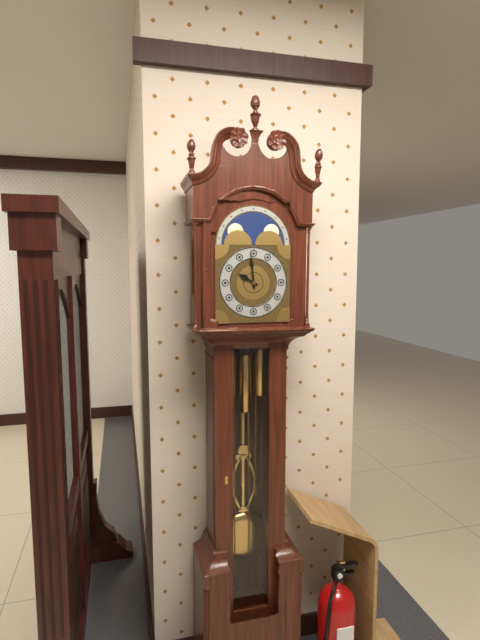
9:59
